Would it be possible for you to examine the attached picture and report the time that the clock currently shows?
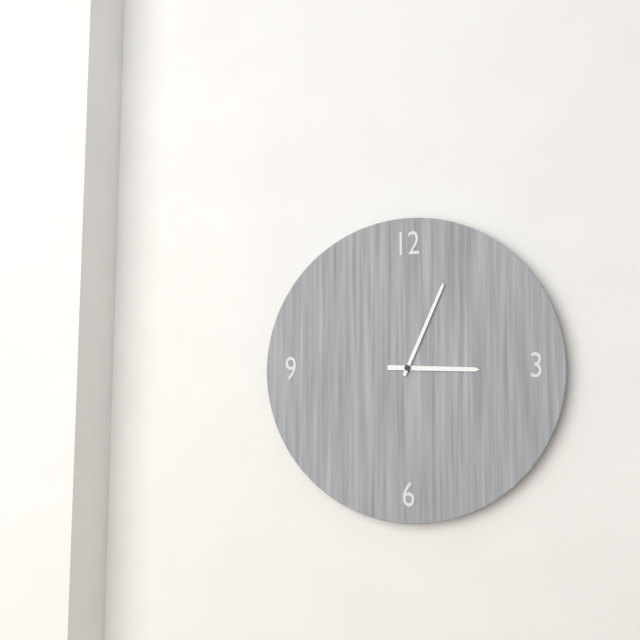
3:04
